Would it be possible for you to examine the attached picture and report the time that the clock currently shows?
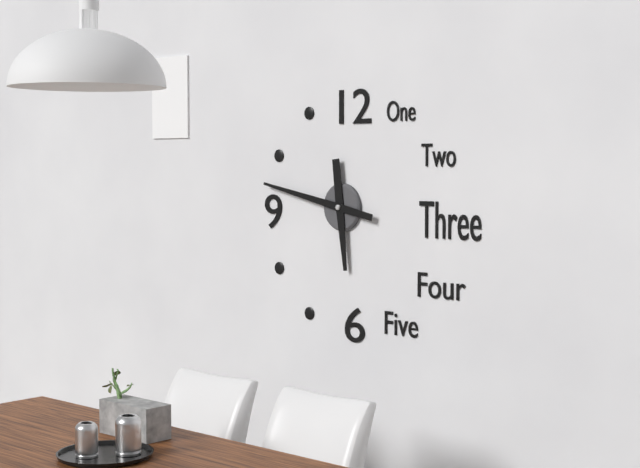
5:47
